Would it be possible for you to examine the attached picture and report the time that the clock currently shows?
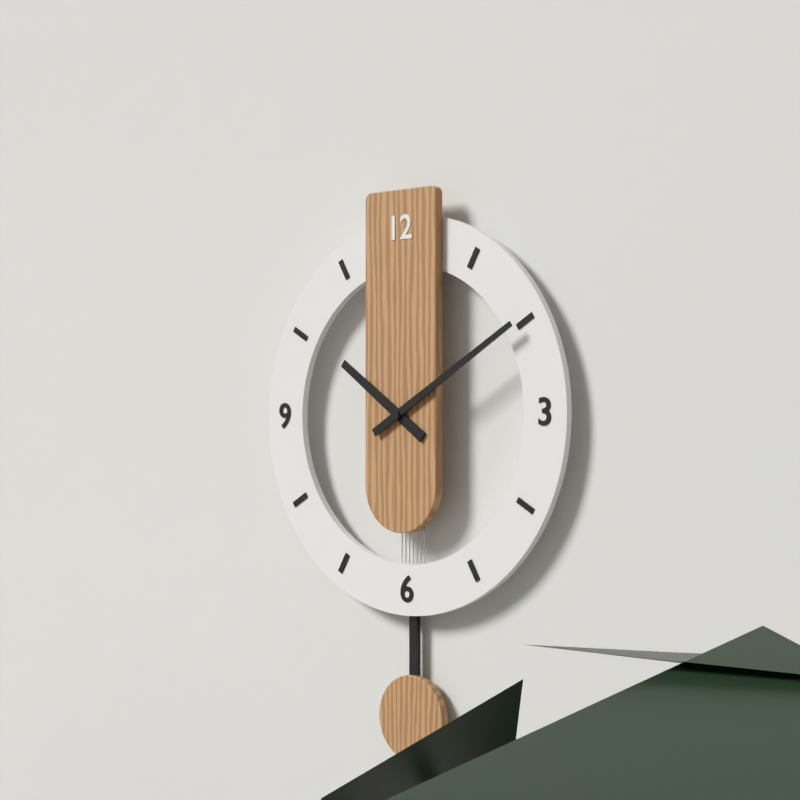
10:10
